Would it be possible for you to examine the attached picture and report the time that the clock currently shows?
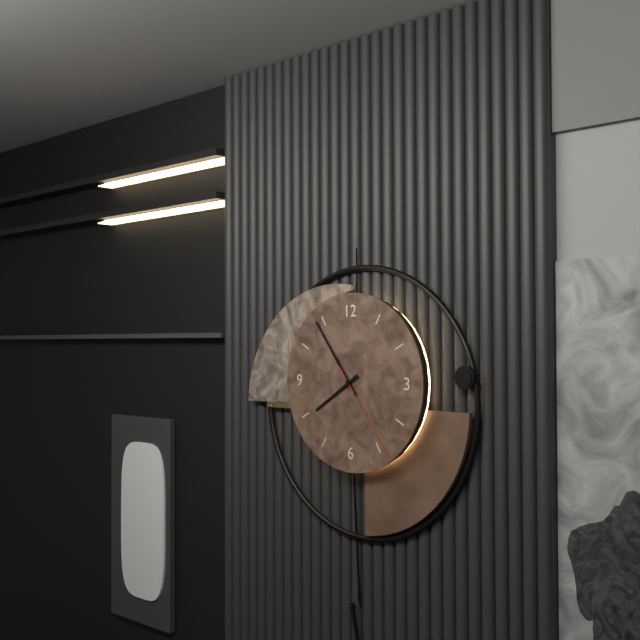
7:54:24
